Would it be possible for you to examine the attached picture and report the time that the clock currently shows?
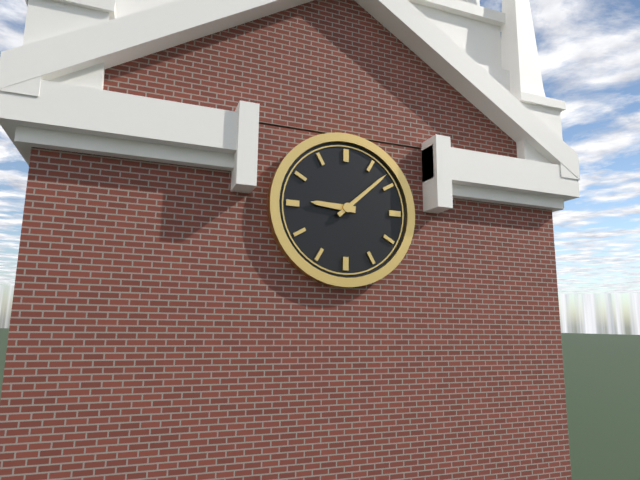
9:08
